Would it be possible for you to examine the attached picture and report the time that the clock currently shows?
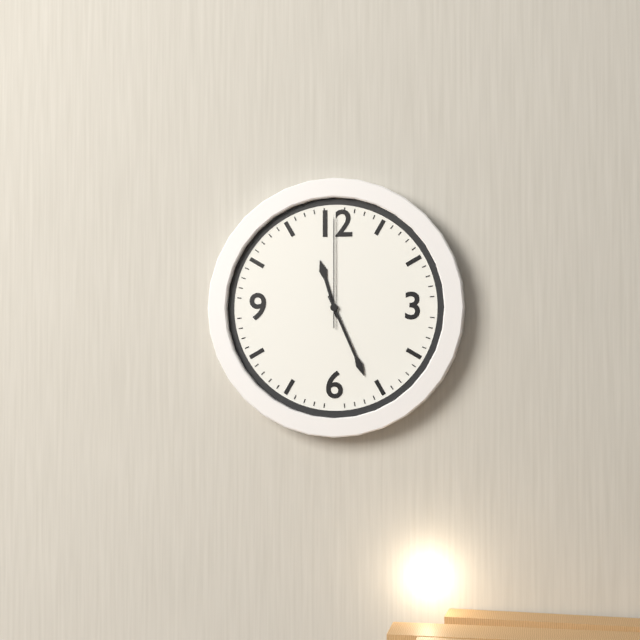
11:26:00
